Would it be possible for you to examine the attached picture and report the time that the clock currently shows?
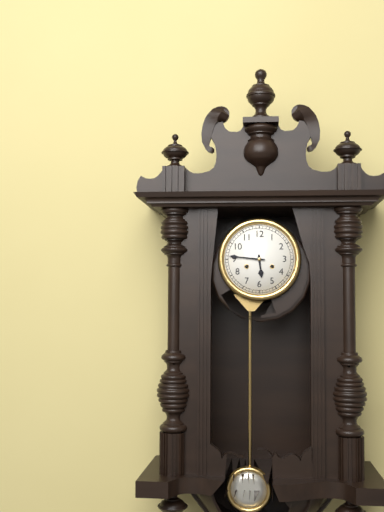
5:46
